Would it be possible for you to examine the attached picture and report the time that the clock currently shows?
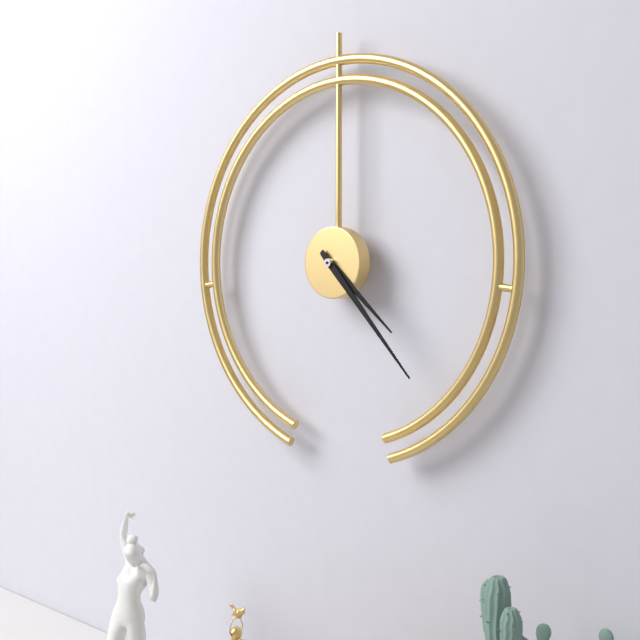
4:23
